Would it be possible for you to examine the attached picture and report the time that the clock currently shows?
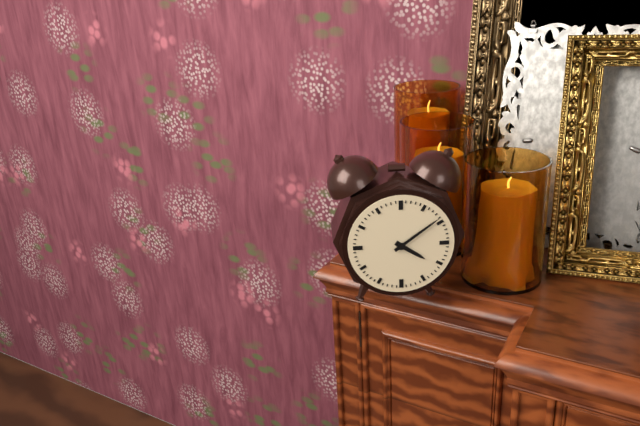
4:09
